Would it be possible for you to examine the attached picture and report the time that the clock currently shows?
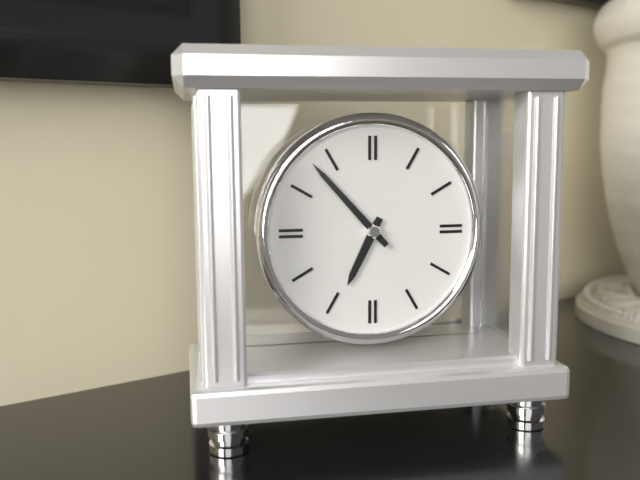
6:53
